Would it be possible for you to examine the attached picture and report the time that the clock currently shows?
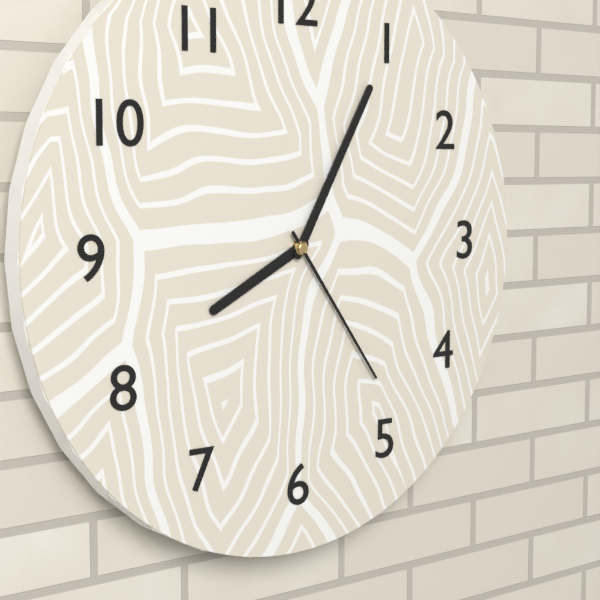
8:05:24
